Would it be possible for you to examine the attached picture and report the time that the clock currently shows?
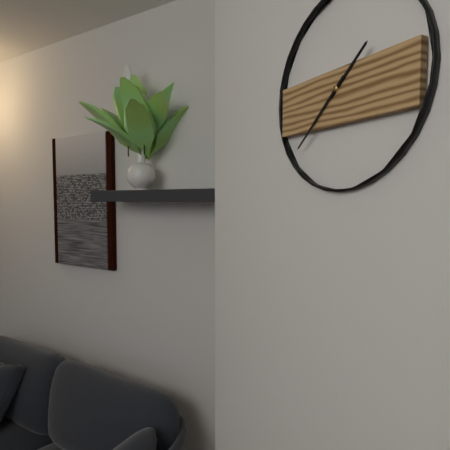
1:38
